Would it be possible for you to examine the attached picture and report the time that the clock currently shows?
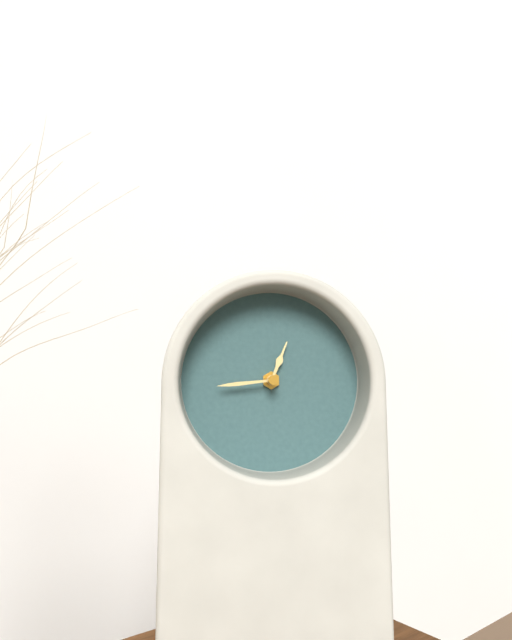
12:44
